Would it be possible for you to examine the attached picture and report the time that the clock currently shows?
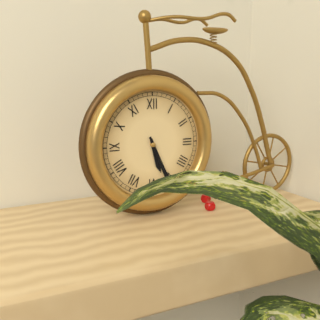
5:26
